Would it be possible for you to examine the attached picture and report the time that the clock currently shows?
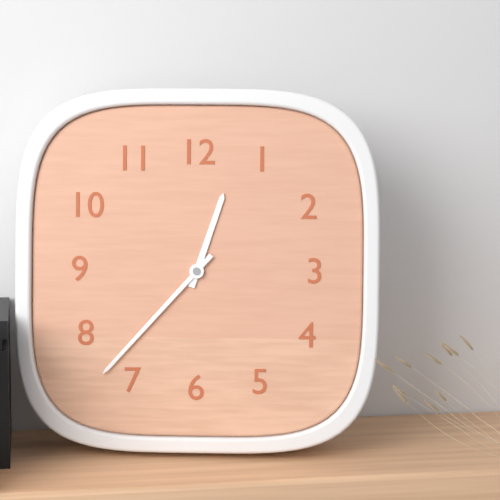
12:37
